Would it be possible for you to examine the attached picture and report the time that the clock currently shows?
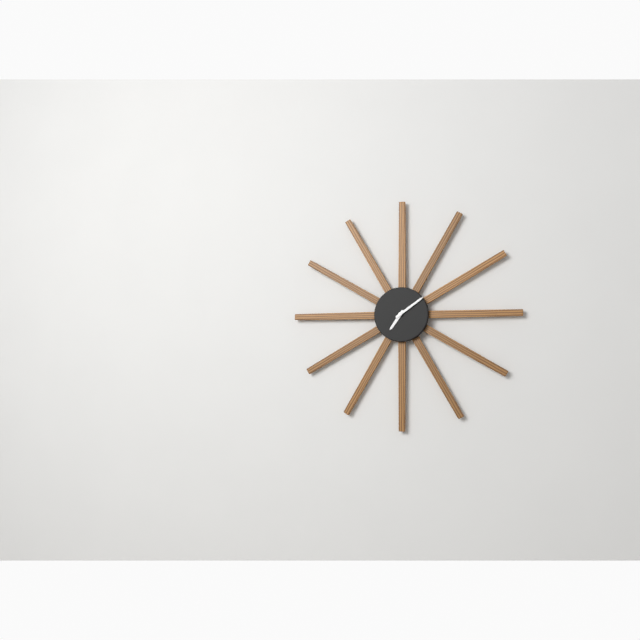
7:09
